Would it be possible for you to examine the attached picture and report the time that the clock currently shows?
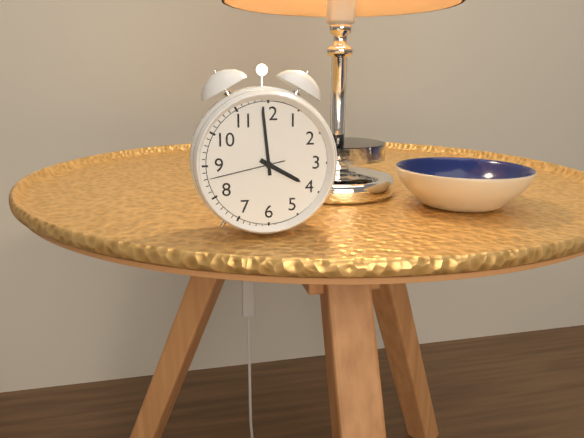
3:59:43
